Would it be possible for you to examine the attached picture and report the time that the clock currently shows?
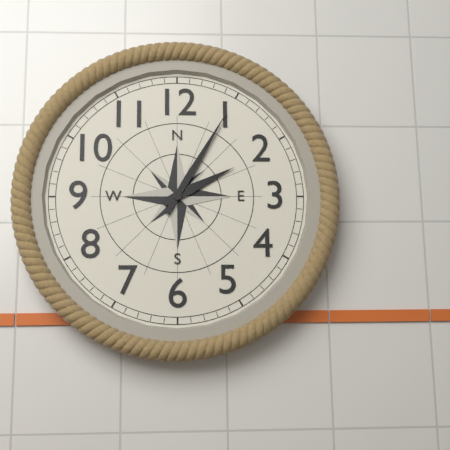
2:05
